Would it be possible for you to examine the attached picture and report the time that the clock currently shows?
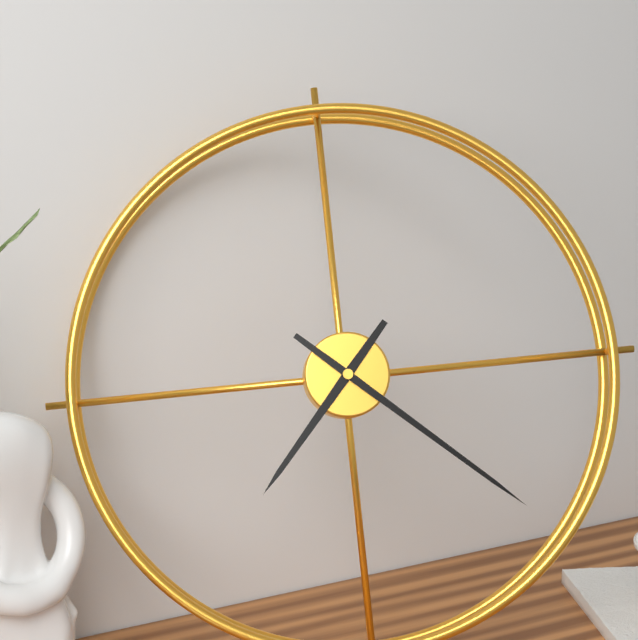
7:22
